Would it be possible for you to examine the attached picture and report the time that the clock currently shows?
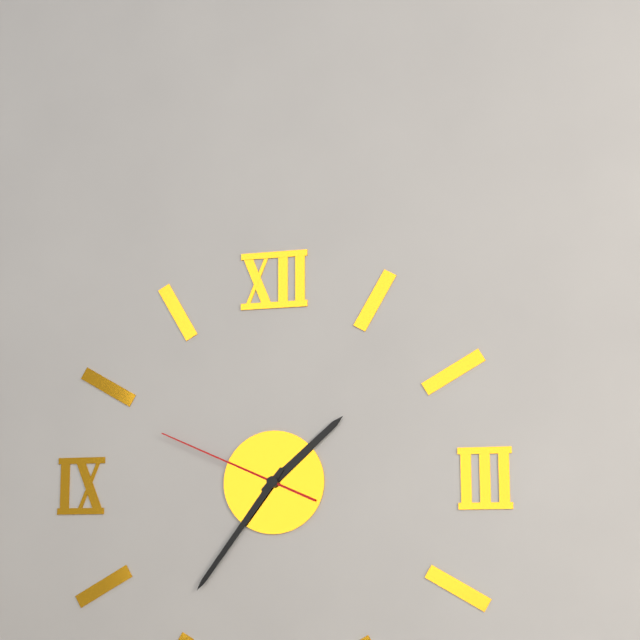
1:36:49
